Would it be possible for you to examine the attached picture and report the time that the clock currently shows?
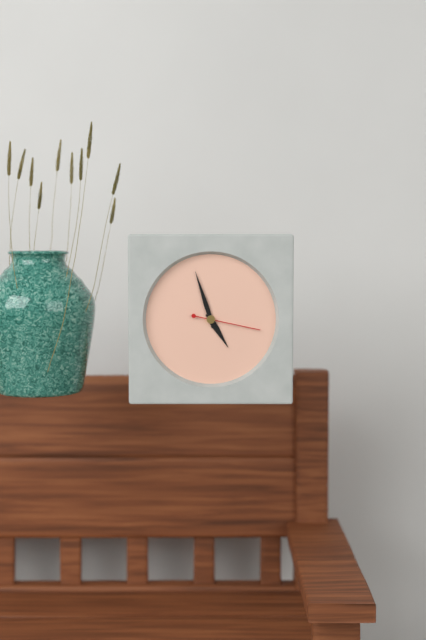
4:57:17
